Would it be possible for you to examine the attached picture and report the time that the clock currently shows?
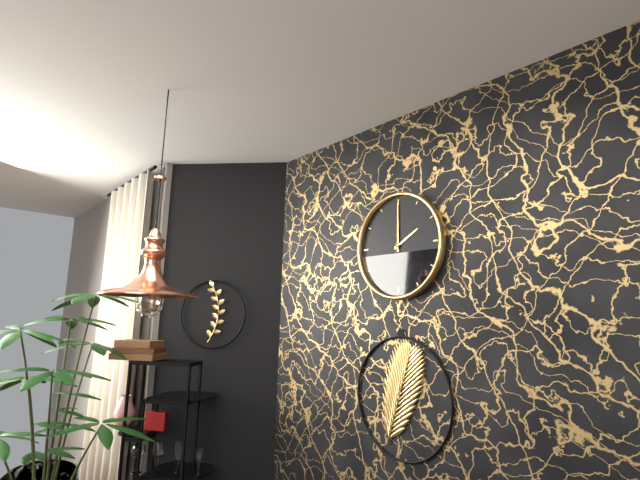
2:00
